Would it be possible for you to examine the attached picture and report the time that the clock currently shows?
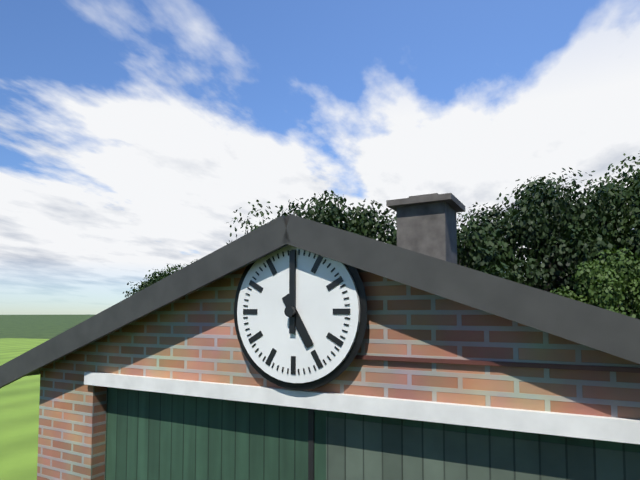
5:00
